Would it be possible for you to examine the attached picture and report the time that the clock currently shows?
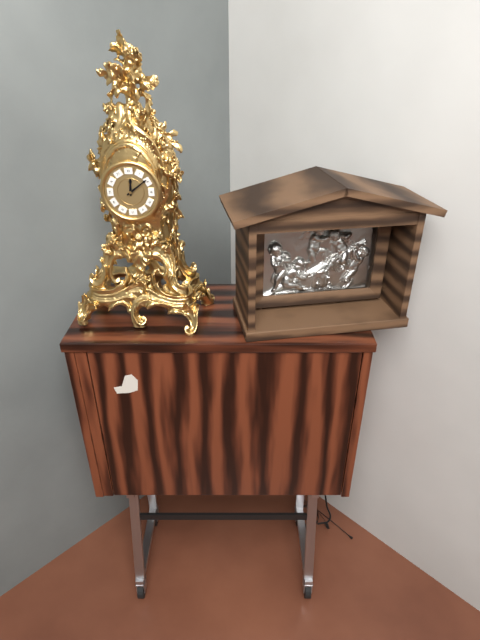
12:09
